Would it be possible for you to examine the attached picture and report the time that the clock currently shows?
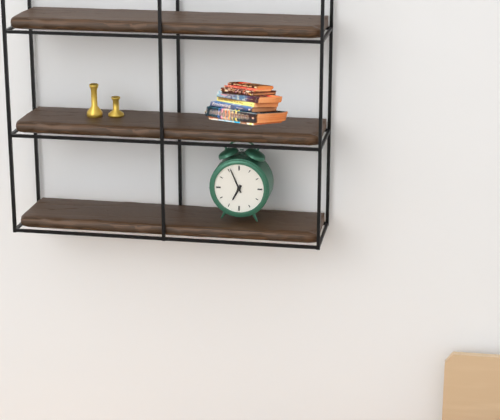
6:56
